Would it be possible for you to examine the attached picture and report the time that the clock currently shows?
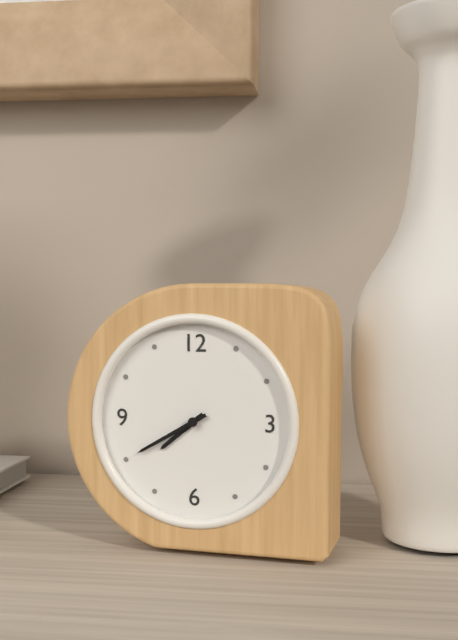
7:40
